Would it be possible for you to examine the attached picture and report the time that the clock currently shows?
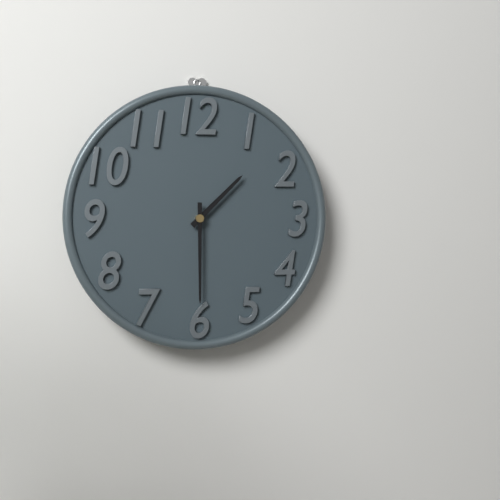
1:30
